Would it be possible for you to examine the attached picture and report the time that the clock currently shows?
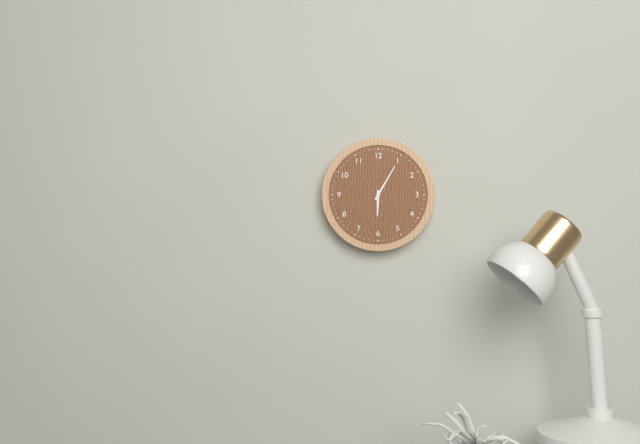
6:05
